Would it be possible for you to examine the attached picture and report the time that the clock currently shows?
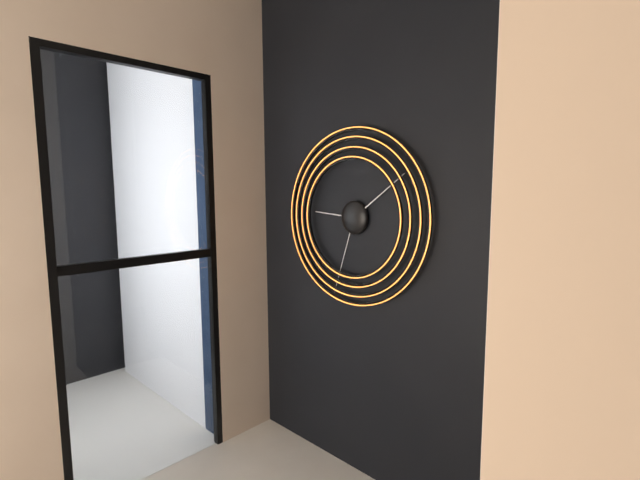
9:09:33
